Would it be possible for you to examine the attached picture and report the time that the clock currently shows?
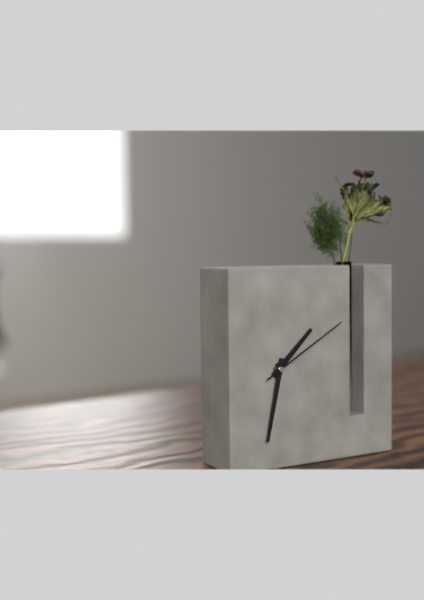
1:32:10
